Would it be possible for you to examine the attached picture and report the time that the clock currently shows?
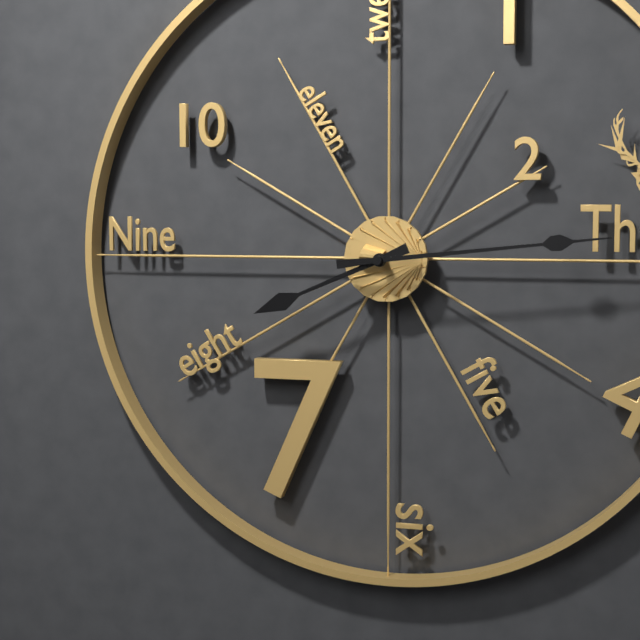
8:14
